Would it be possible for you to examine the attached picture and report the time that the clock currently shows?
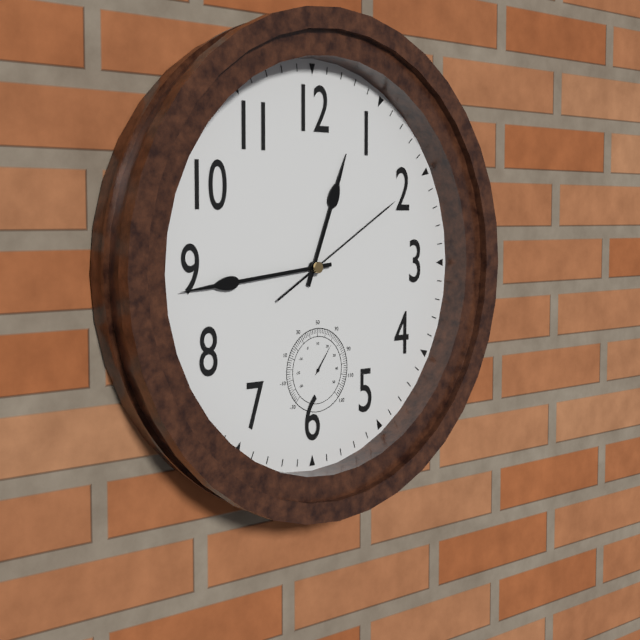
12:44:10
